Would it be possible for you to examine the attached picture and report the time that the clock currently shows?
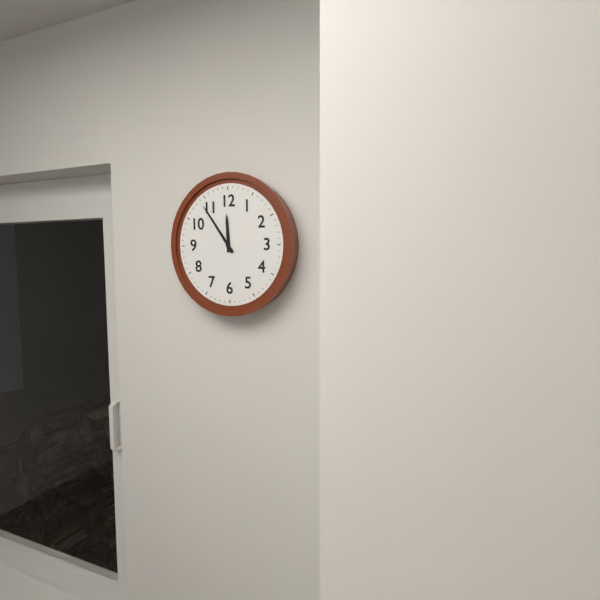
11:54
